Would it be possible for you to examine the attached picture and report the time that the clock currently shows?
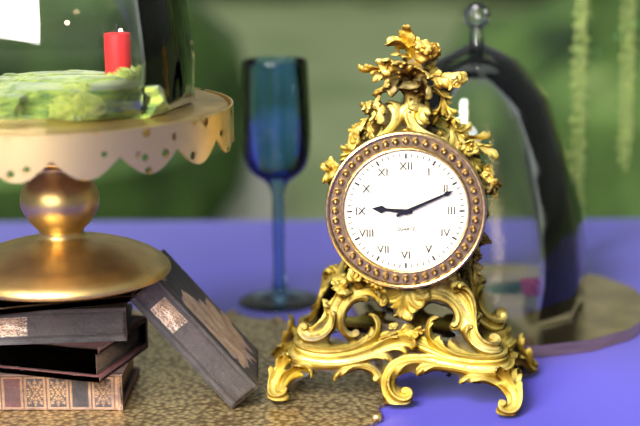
9:11
